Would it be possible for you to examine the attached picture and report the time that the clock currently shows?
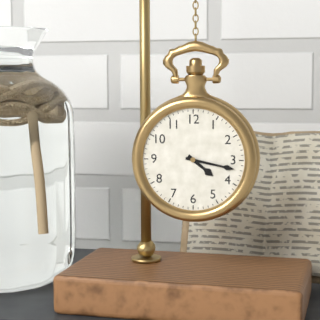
4:17
